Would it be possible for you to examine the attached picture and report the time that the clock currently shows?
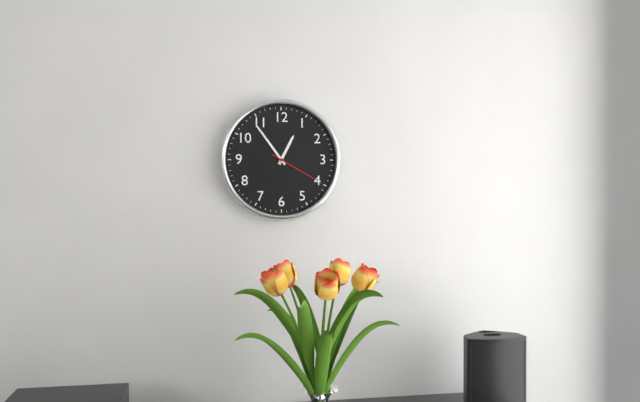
12:54:20
